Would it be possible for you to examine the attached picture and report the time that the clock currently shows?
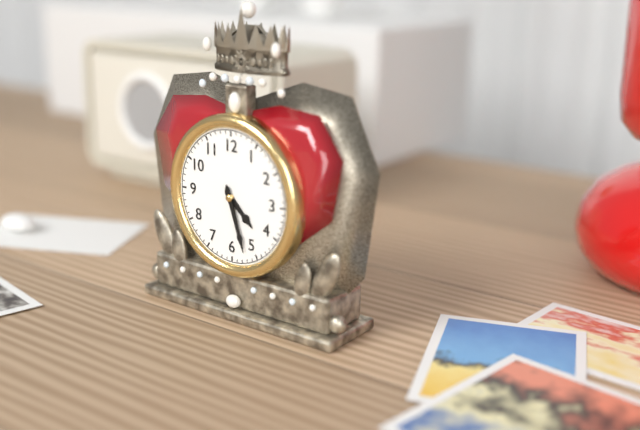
4:27
